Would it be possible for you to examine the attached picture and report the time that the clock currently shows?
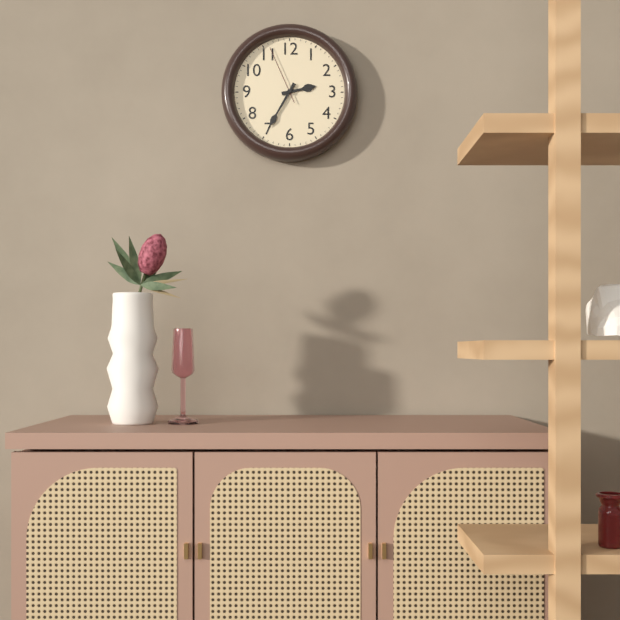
2:35:56
